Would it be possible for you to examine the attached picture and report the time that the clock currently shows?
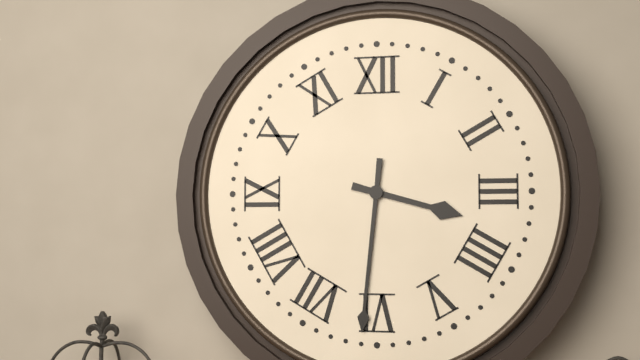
3:31
